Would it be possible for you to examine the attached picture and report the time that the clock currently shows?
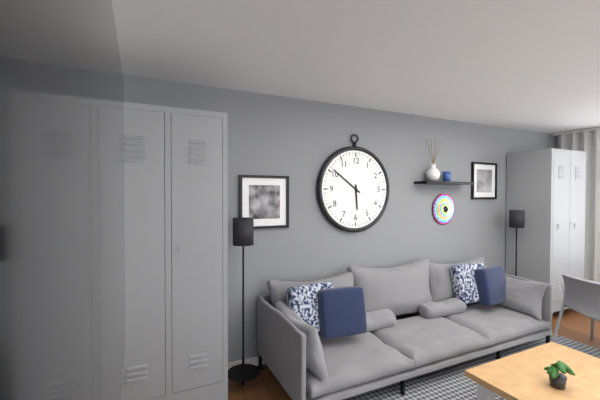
5:51
